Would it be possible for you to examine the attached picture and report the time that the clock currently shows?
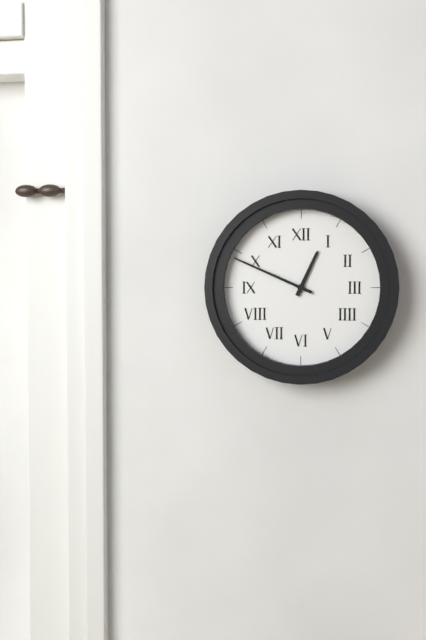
12:49
